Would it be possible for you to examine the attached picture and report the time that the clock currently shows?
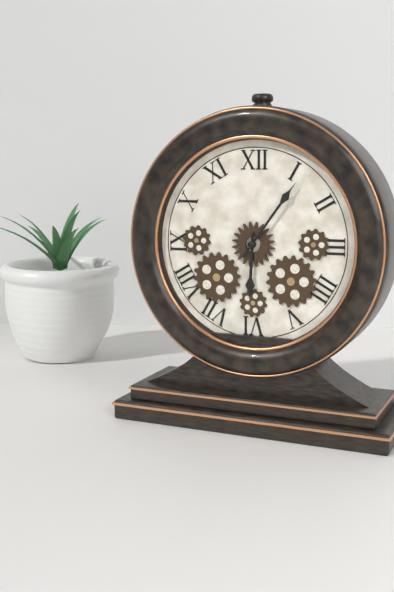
6:06
